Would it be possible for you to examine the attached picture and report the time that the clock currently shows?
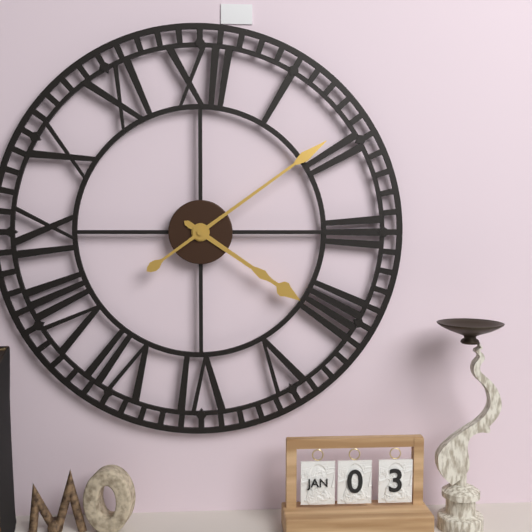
4:09
